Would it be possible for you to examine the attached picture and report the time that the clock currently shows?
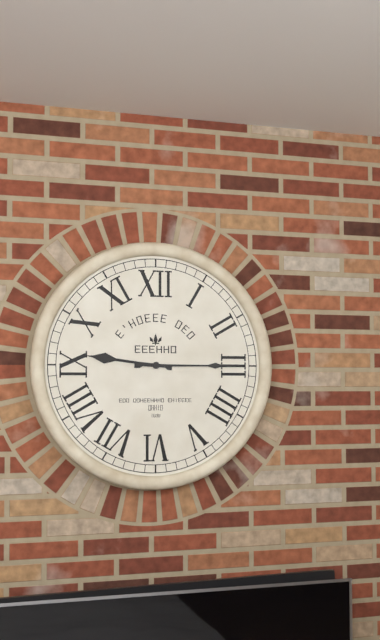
9:15
